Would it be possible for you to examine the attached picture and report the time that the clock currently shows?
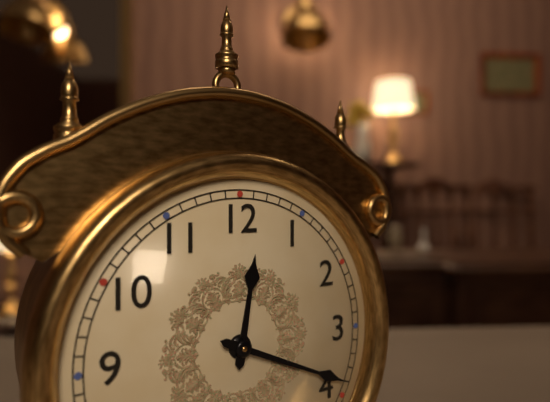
12:19
